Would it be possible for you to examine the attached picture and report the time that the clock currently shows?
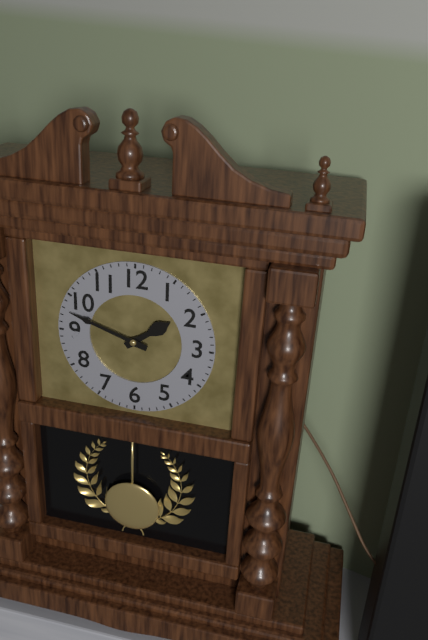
1:48
